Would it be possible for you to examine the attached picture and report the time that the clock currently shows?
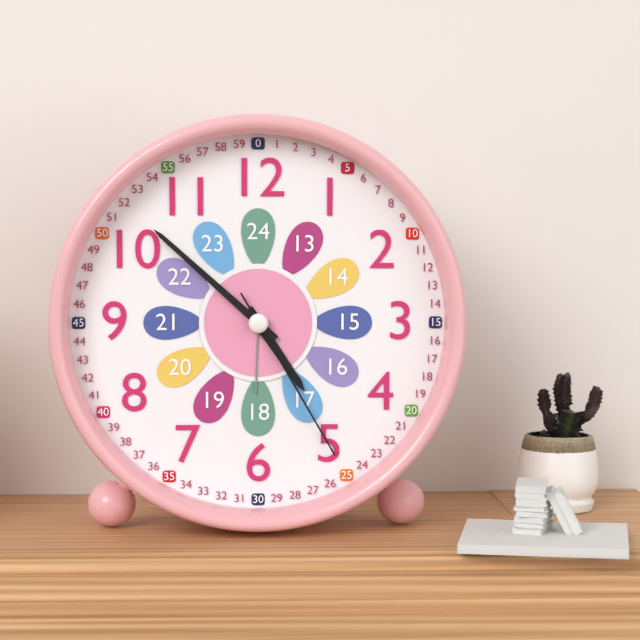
4:52:25
